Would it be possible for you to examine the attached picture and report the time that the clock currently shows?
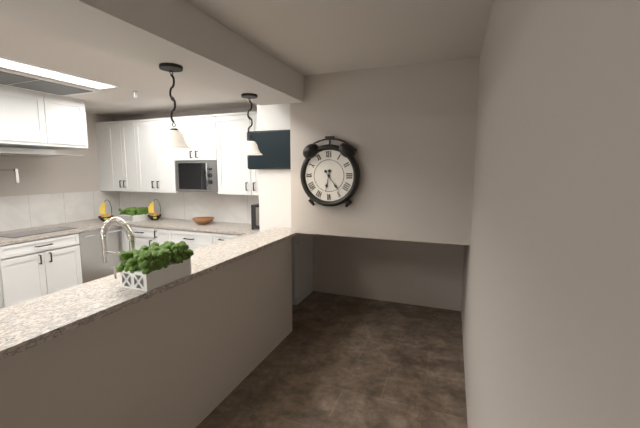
6:24
